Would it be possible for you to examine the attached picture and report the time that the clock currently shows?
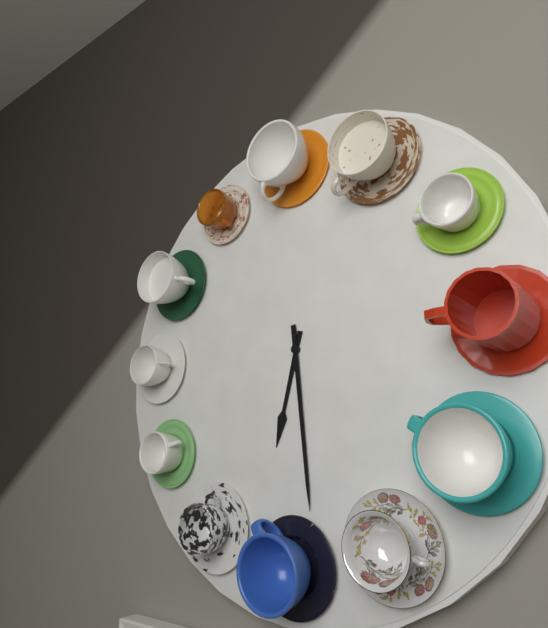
6:29
